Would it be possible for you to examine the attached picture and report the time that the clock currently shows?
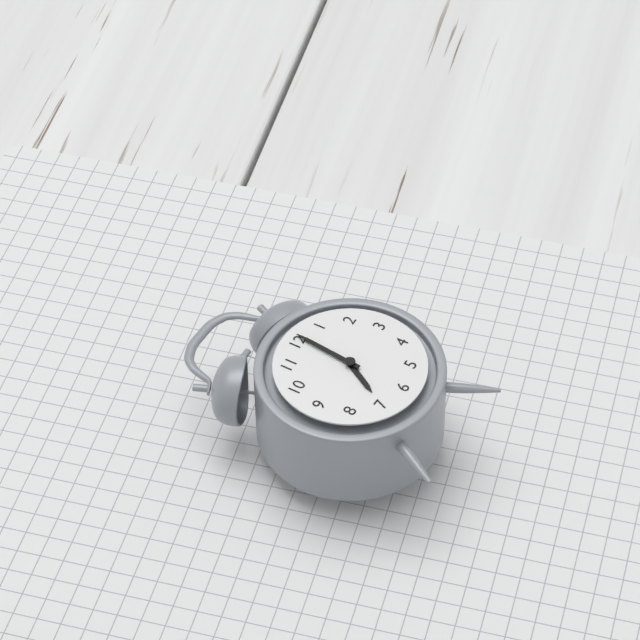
7:01
